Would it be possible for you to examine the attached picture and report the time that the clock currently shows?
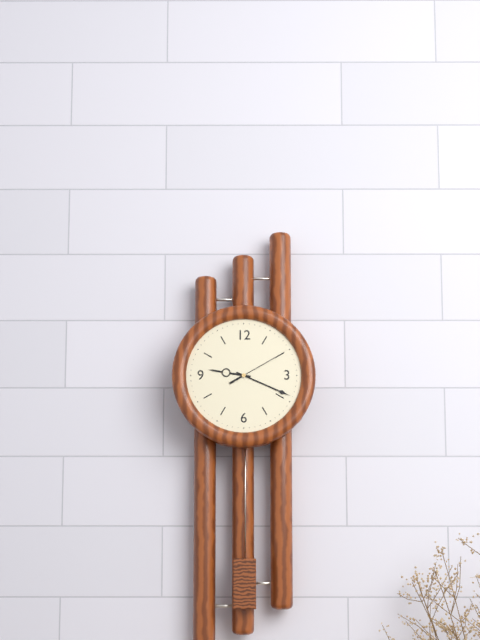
9:19:10
